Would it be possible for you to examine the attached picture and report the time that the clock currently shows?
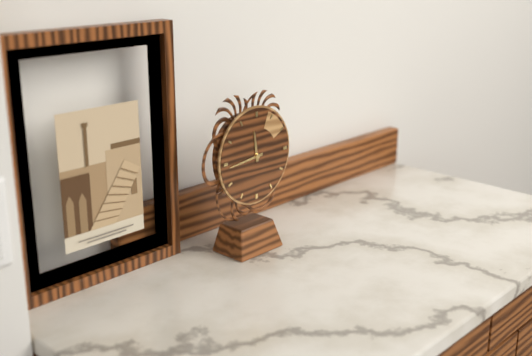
11:44
